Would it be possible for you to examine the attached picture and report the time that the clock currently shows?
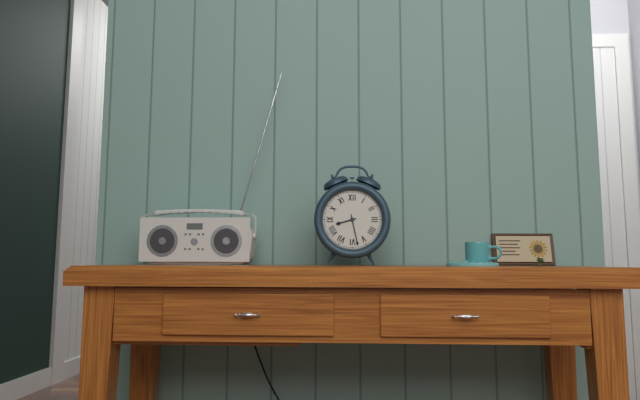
8:28
